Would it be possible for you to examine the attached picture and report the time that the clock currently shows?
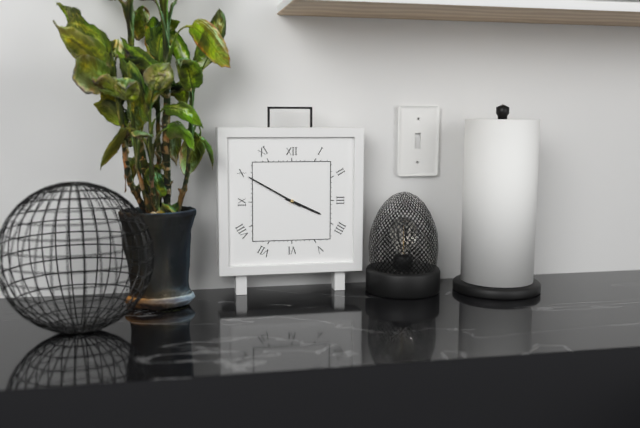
3:50
